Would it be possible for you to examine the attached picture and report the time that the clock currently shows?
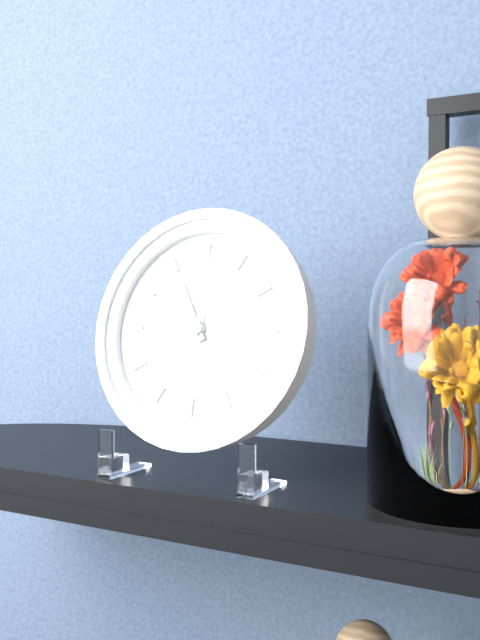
11:01
